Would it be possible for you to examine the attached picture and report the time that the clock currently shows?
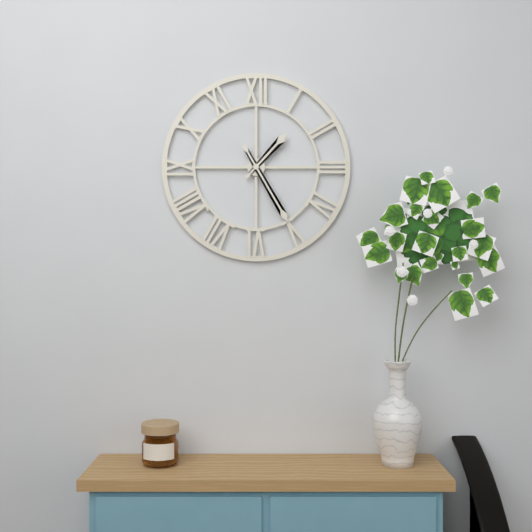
1:25
